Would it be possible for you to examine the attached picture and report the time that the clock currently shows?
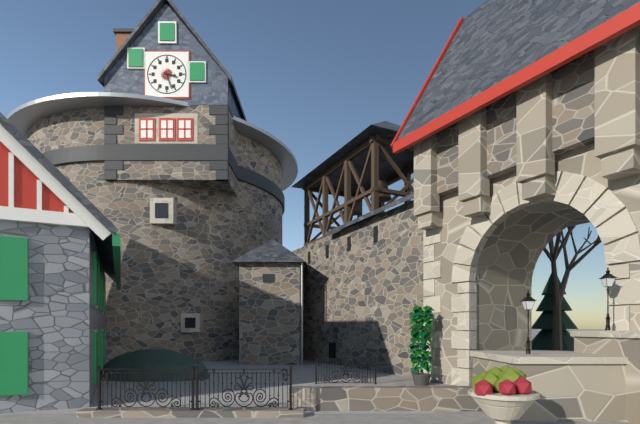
3:27
